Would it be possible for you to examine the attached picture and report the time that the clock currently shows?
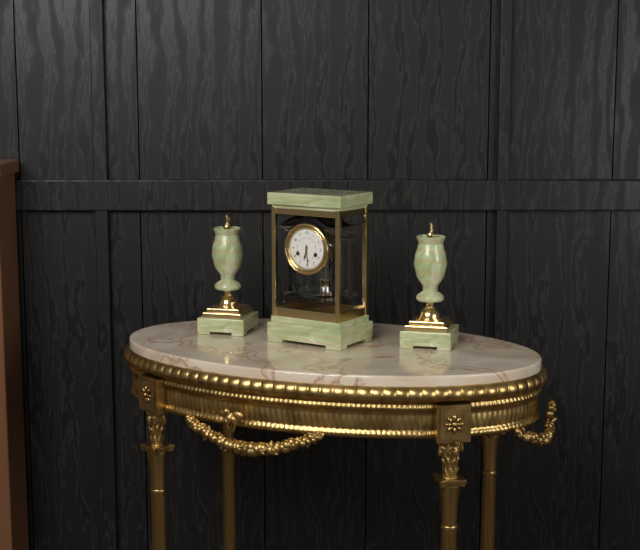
6:29
